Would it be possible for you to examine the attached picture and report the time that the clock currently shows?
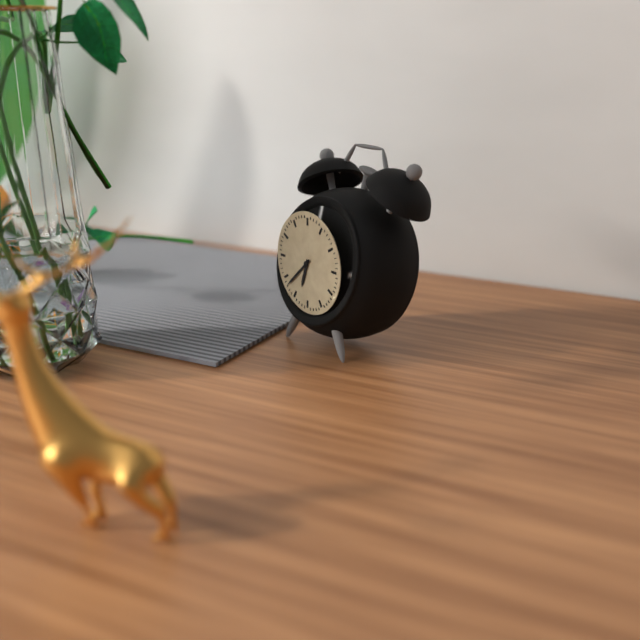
6:38
